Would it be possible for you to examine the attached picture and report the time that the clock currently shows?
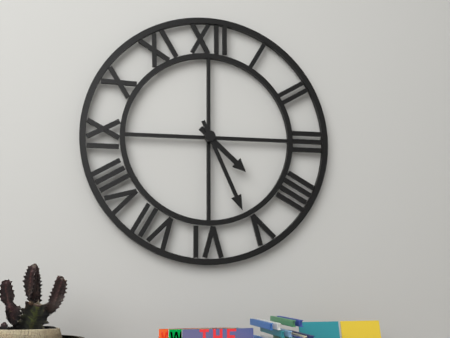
4:26
